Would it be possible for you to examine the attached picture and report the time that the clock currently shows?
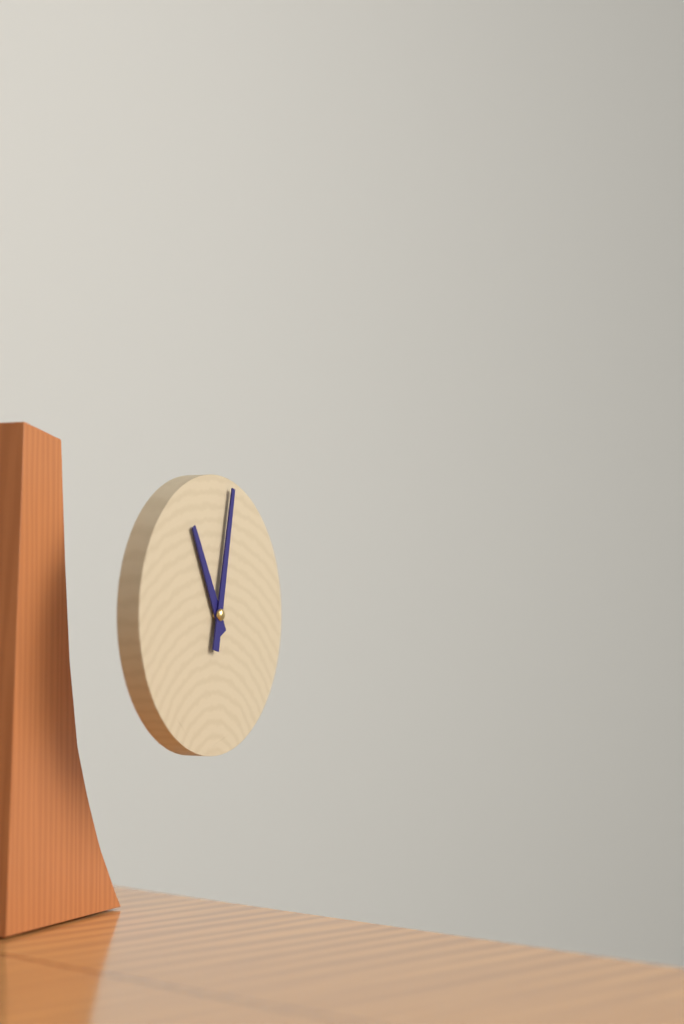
11:02
